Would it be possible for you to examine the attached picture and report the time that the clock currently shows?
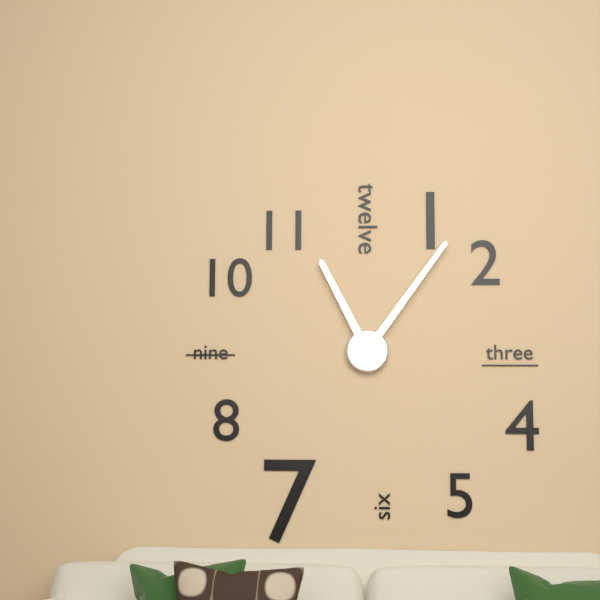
11:06
